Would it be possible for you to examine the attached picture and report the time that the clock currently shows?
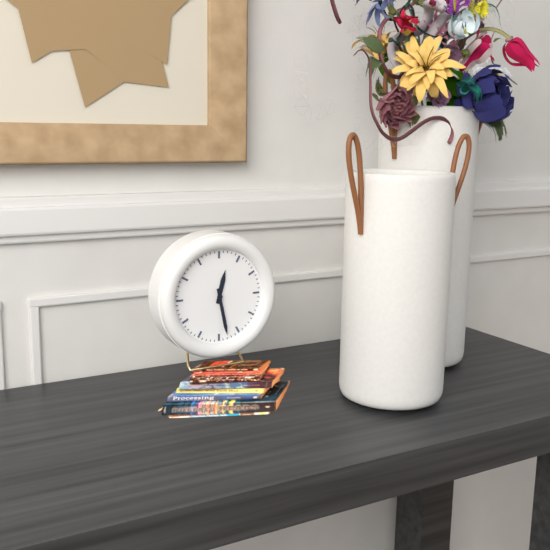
12:28
